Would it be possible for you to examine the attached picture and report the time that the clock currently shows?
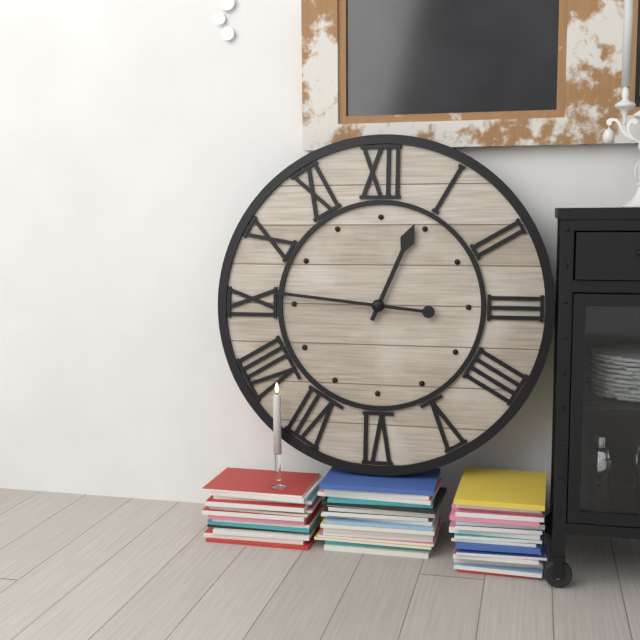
12:46
